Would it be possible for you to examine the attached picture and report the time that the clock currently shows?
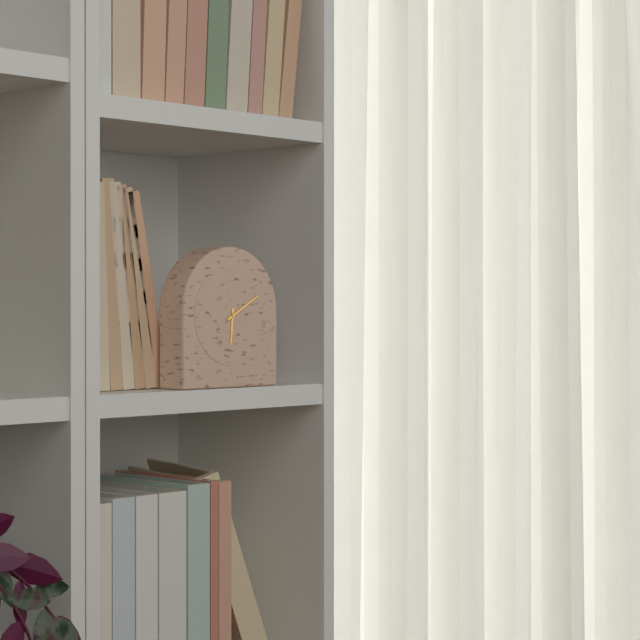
6:10
